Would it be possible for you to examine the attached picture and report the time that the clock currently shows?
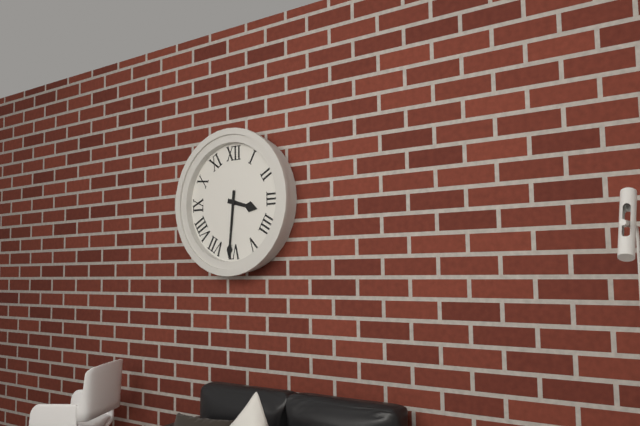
3:31
